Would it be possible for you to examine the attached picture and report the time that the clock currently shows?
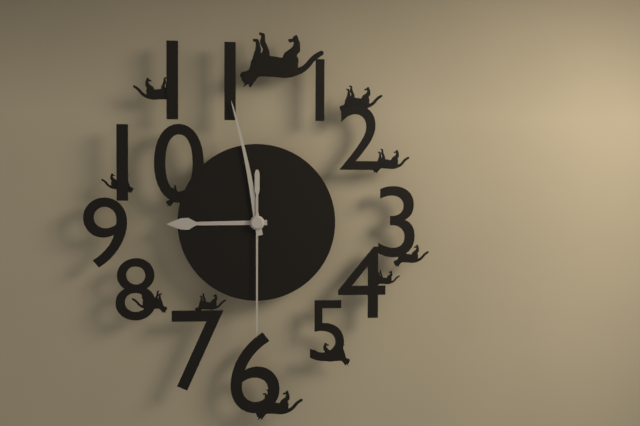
8:58:30
